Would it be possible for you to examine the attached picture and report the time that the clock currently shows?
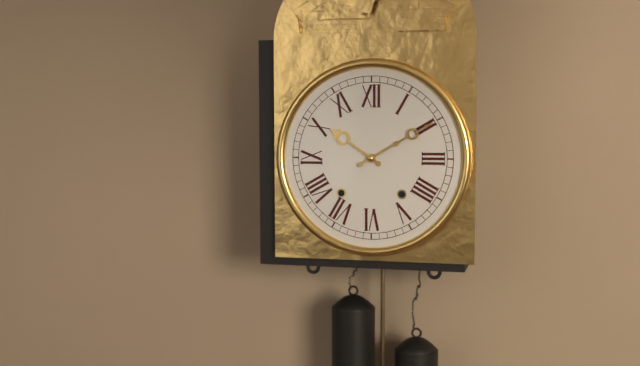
10:10
